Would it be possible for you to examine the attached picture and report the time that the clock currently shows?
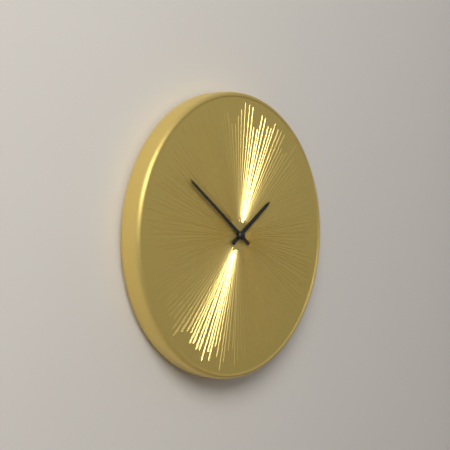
1:51
